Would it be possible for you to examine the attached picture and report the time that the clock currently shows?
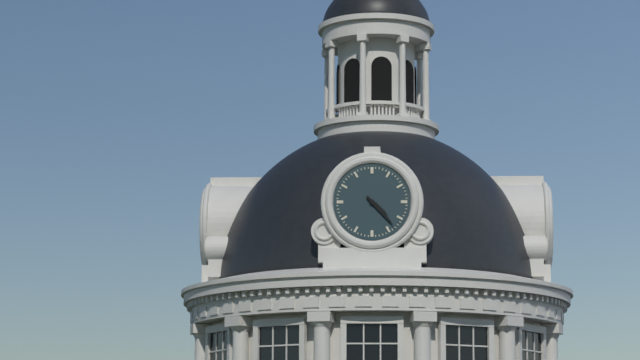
4:23
